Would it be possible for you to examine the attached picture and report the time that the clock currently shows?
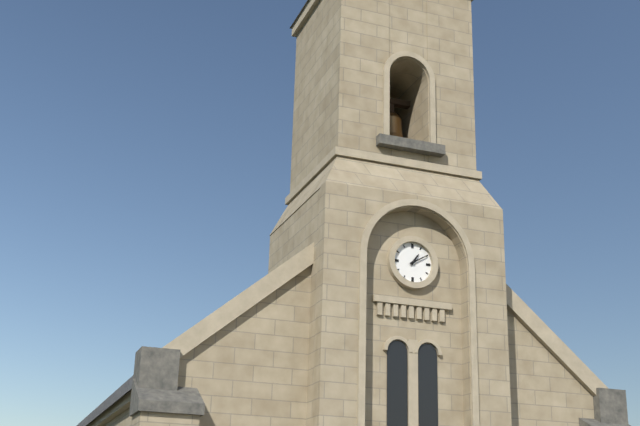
1:10
